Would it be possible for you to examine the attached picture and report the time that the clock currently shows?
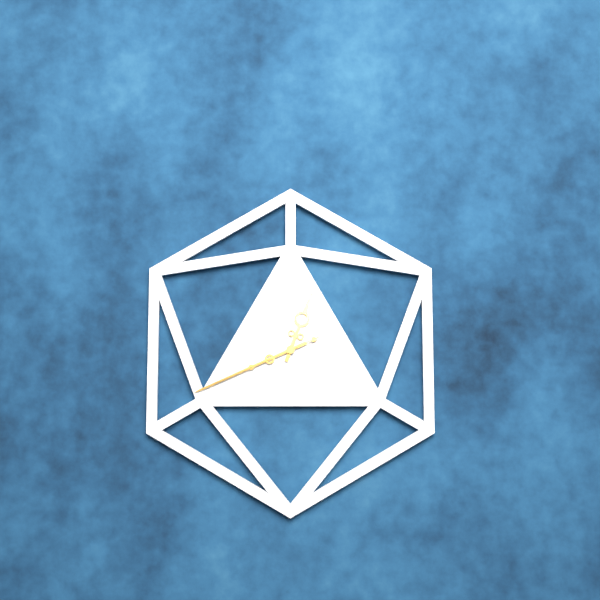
12:41:41
